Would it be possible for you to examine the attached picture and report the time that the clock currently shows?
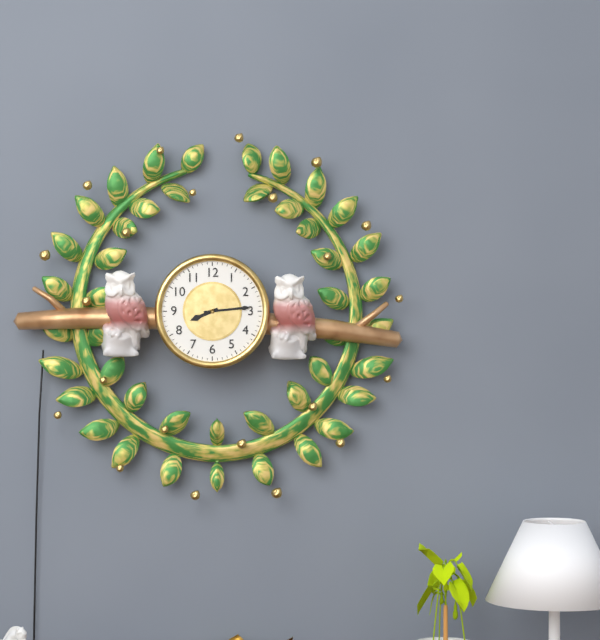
8:14
